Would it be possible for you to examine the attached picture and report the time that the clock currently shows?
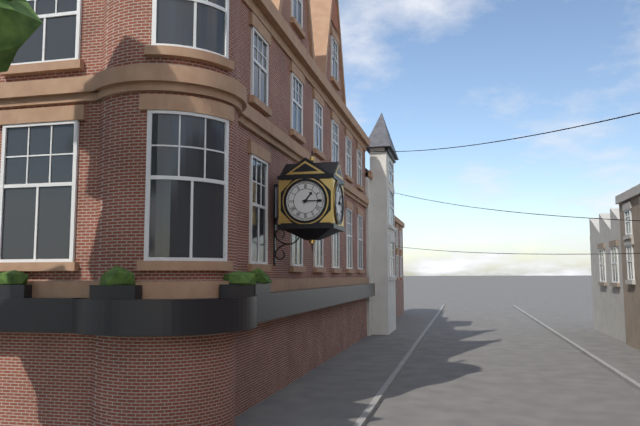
1:15
